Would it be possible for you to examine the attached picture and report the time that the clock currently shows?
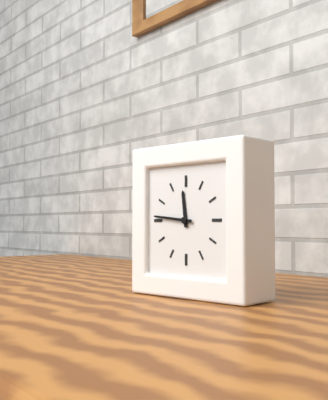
11:46
